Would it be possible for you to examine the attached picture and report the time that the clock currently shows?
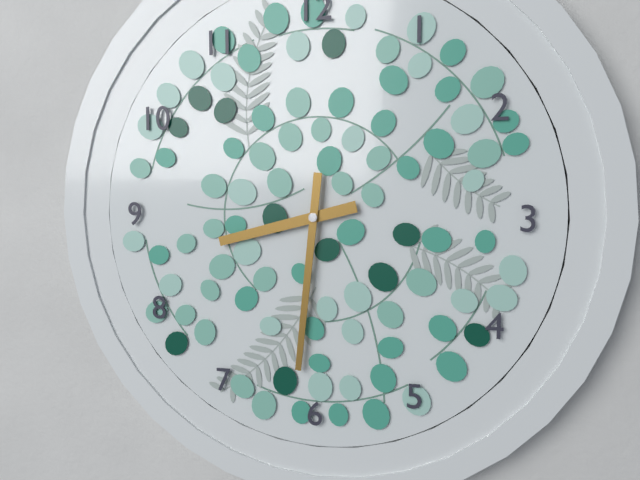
8:31
